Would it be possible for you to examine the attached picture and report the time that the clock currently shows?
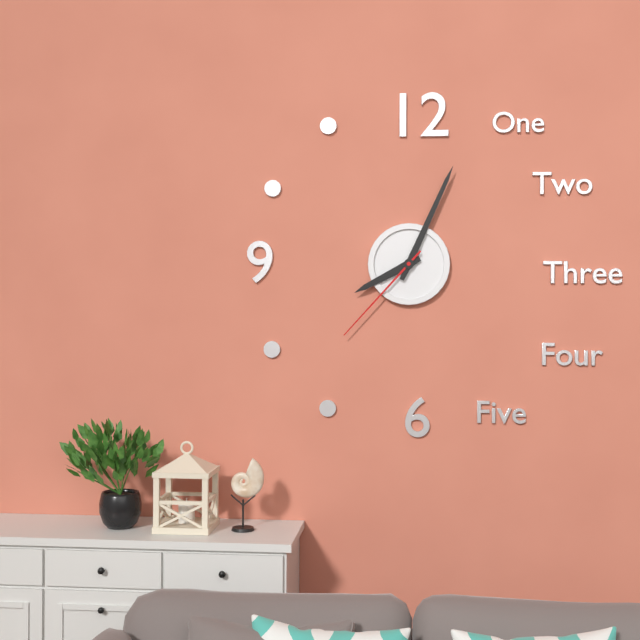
8:04:37
